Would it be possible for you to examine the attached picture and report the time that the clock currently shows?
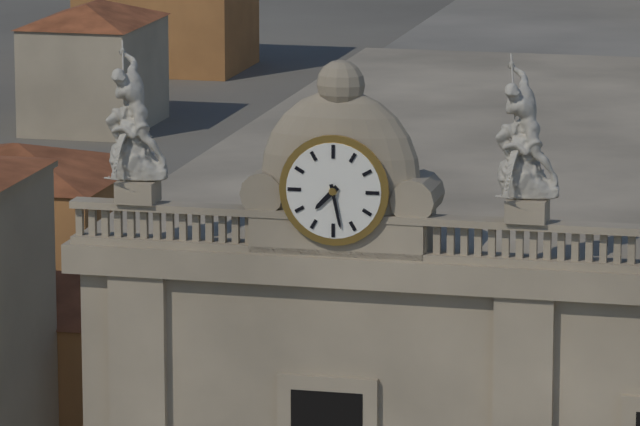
7:28
